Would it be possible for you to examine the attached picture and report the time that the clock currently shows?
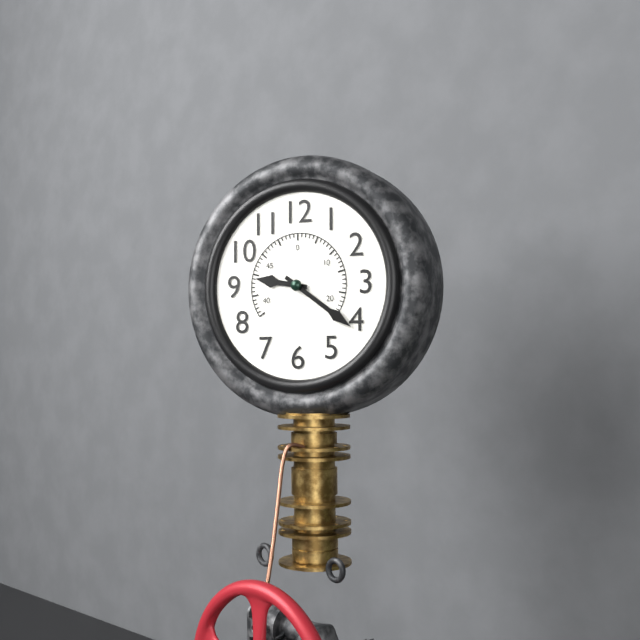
9:21
